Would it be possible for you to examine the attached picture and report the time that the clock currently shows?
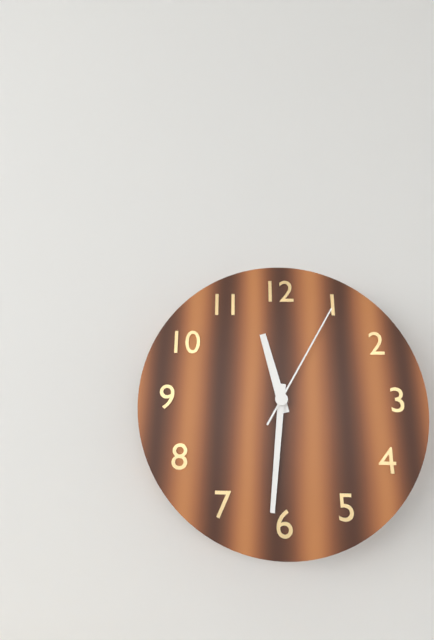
11:31:05
